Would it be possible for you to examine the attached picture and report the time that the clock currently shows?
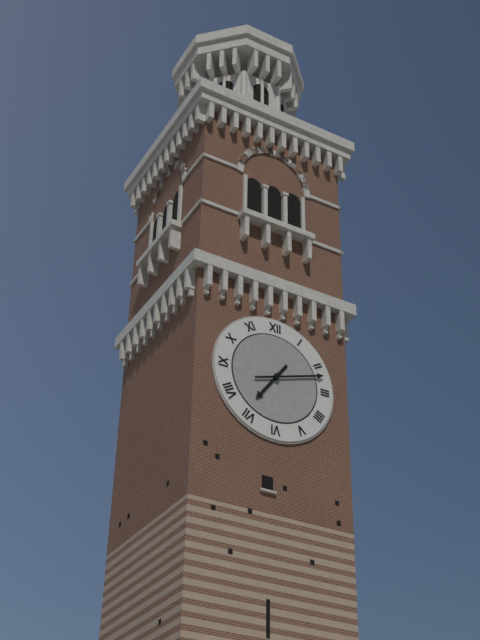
7:12
